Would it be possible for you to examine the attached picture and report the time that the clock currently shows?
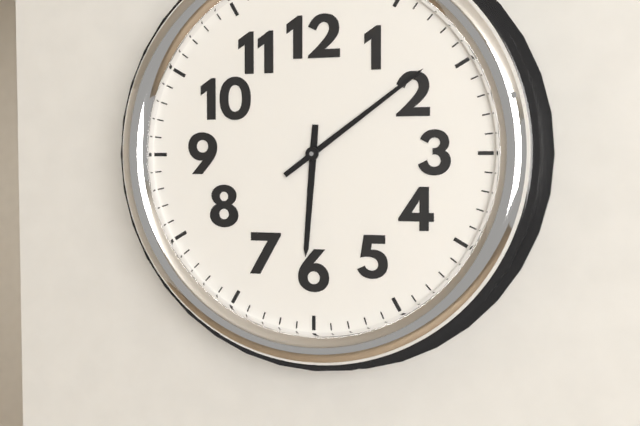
6:09
